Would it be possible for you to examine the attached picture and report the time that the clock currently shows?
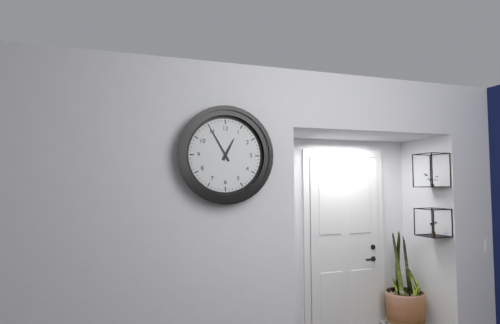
12:55
